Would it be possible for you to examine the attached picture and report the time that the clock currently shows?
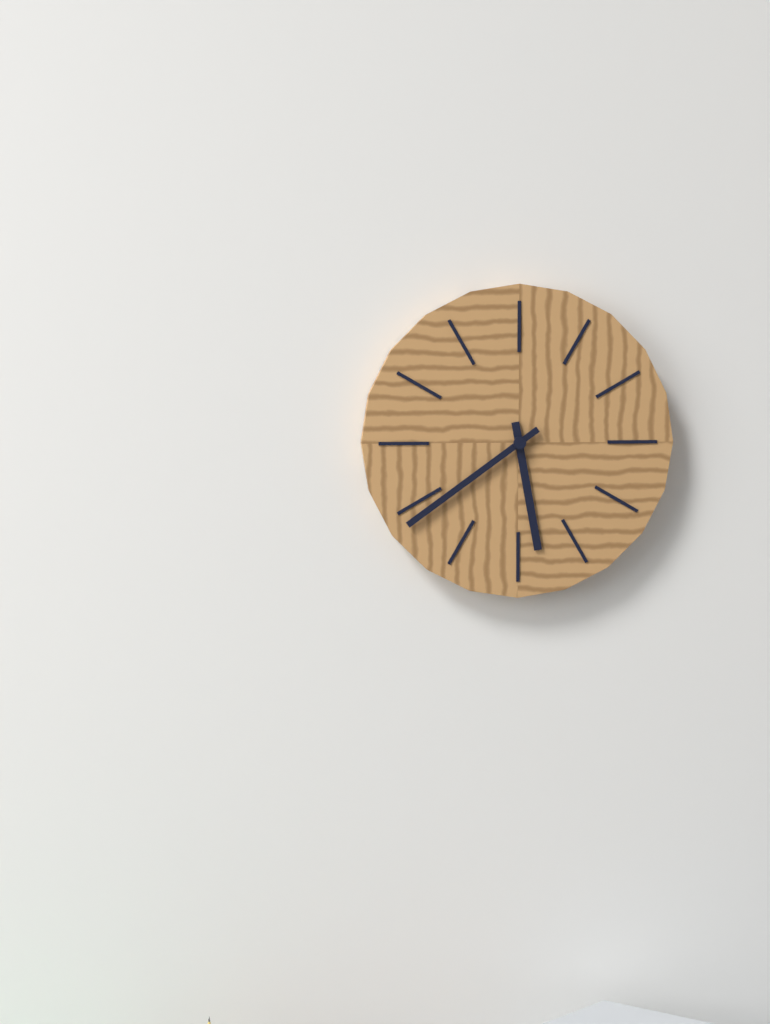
5:39
